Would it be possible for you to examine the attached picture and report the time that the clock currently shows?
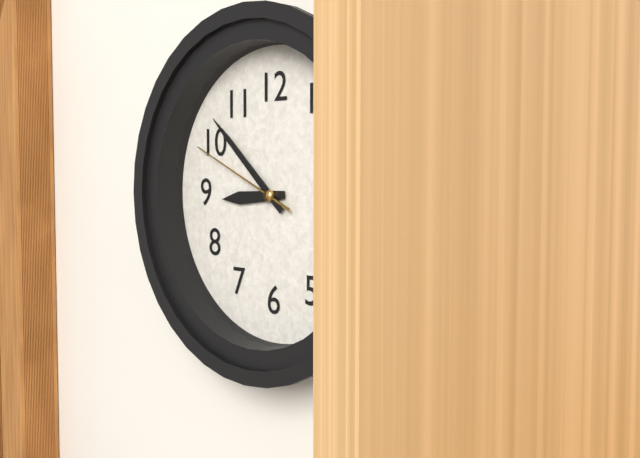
8:52:49
